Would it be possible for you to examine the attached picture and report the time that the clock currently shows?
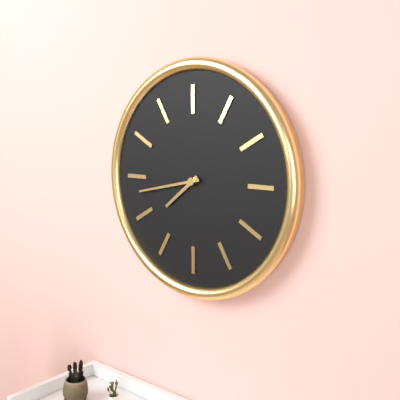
7:43
